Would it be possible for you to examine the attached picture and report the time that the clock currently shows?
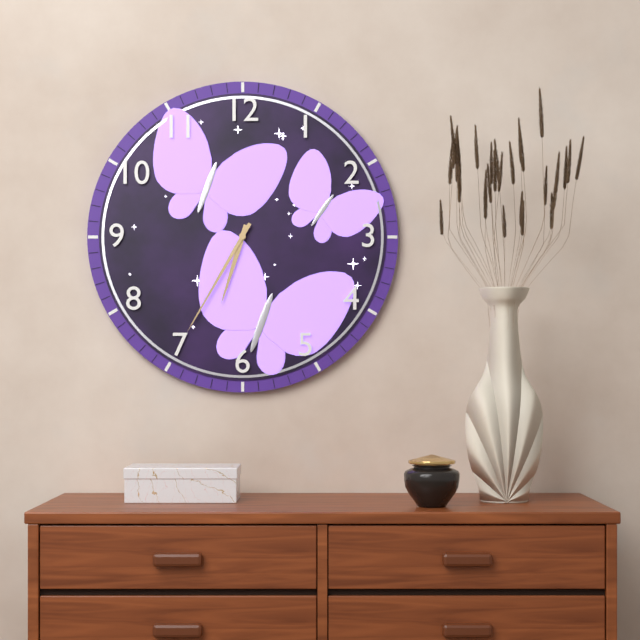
6:35
